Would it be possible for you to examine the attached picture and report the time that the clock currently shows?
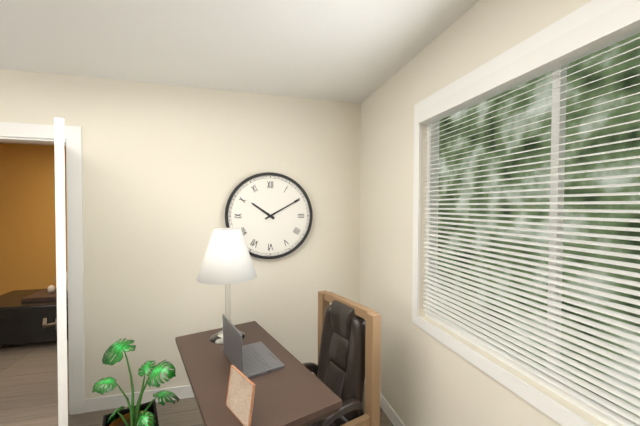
10:10
